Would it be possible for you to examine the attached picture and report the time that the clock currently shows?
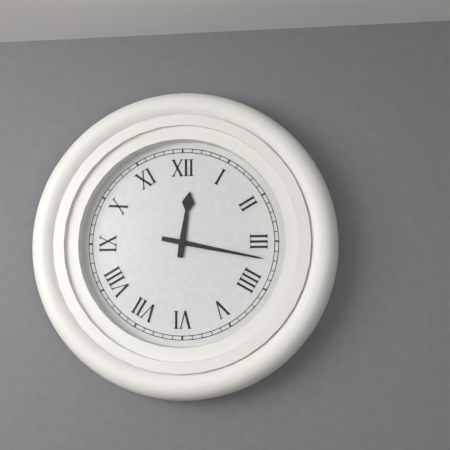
12:17
